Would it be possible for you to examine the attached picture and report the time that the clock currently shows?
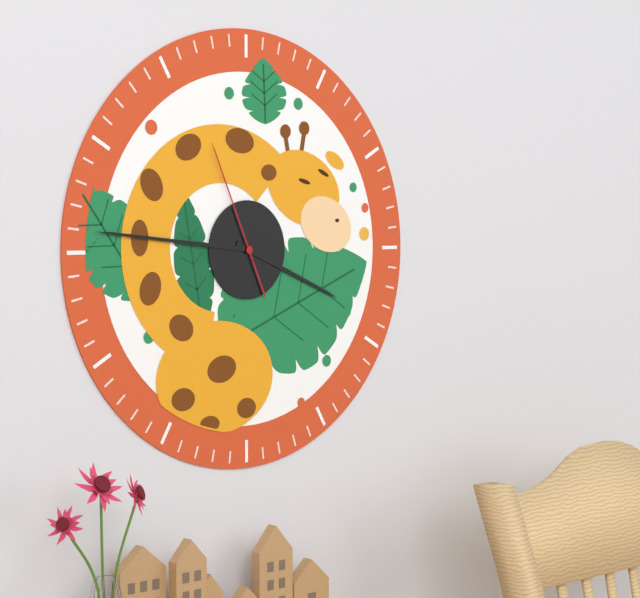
3:46:56
